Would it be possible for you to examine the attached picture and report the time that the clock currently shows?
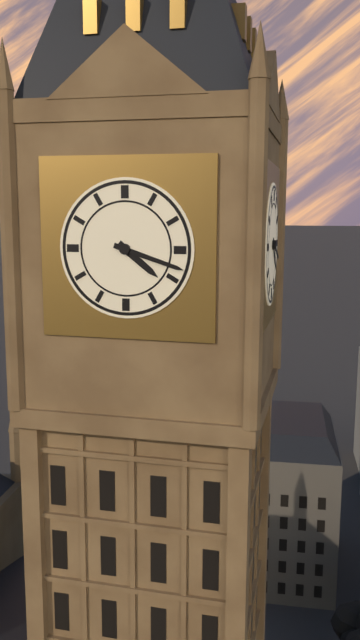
4:18
